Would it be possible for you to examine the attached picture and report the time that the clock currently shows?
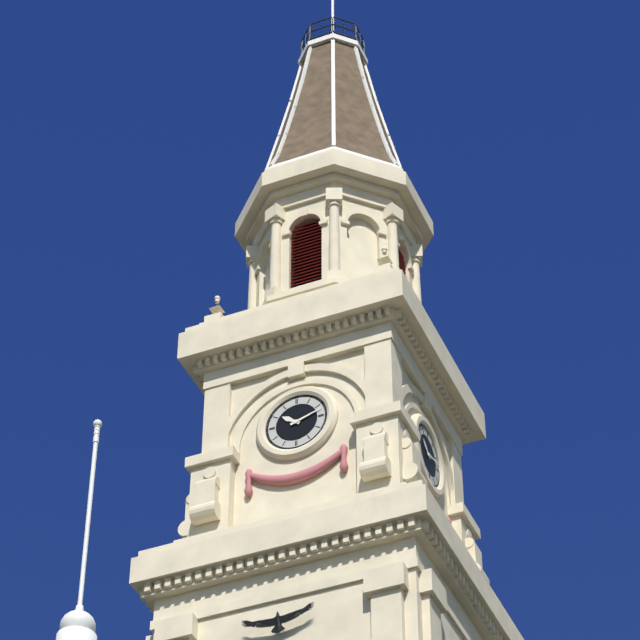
10:12
